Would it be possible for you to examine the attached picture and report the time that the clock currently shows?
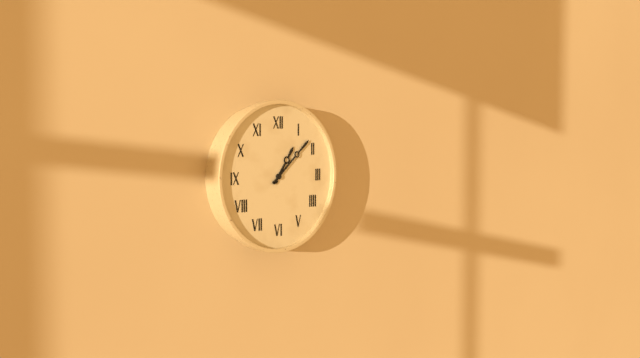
1:08
